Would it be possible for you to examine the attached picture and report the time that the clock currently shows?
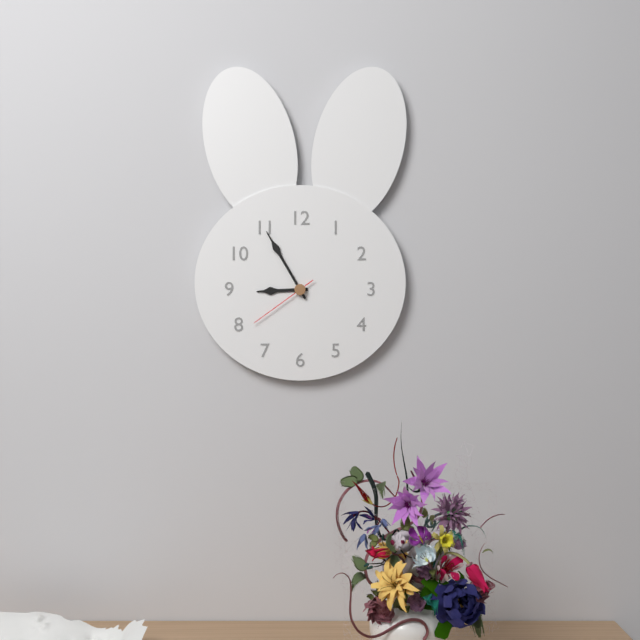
8:55:39
